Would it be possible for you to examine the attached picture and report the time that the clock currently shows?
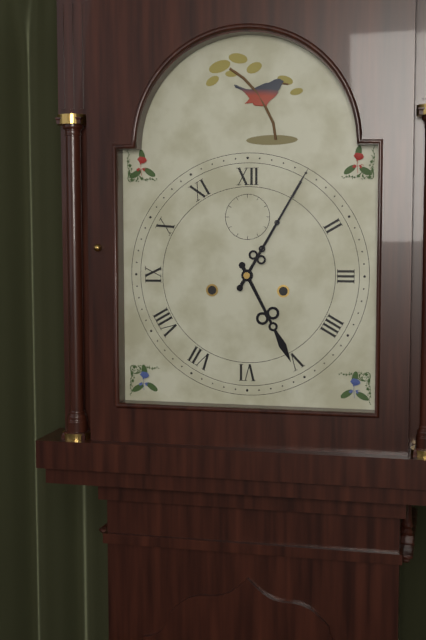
5:05
